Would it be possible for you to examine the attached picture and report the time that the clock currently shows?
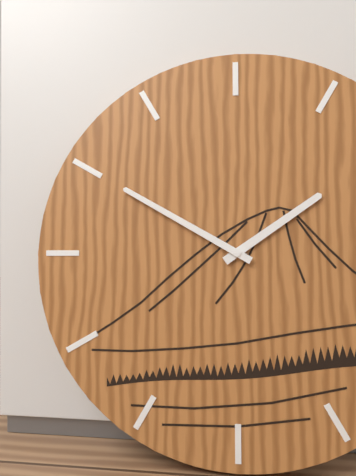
1:50
